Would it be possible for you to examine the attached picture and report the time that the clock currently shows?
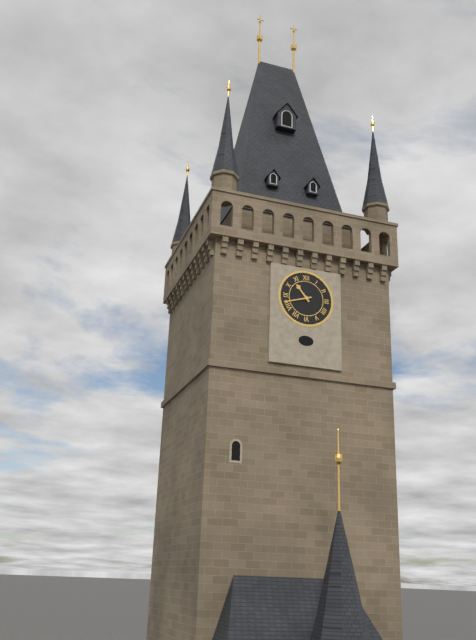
10:42
